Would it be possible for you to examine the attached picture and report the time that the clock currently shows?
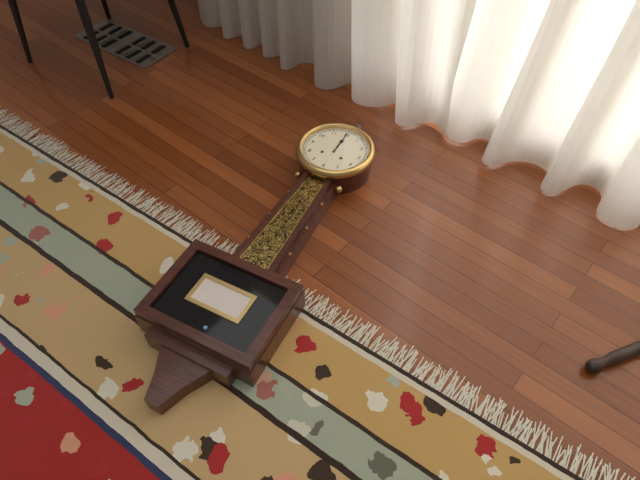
12:00
